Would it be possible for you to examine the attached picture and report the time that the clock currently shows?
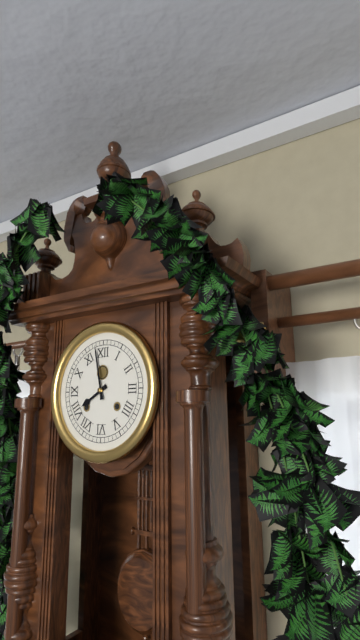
7:58
